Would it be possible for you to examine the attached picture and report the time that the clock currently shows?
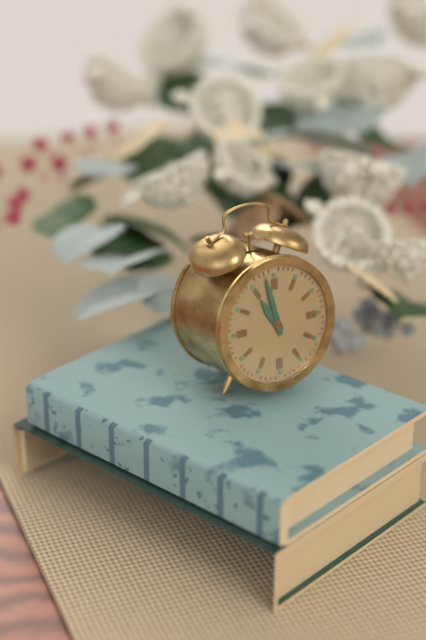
10:58
